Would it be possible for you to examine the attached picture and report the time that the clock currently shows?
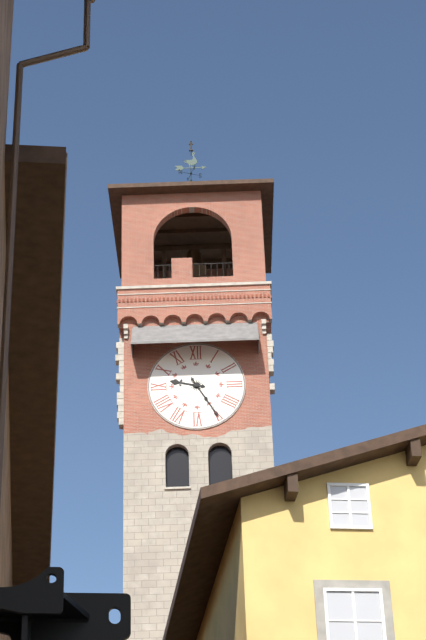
9:25
